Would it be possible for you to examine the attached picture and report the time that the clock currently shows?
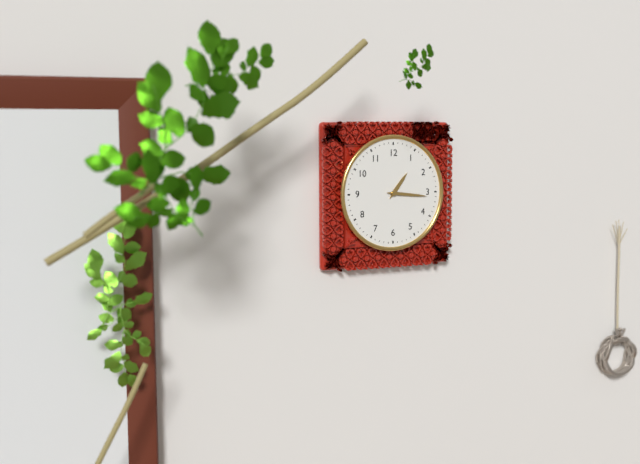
1:16
